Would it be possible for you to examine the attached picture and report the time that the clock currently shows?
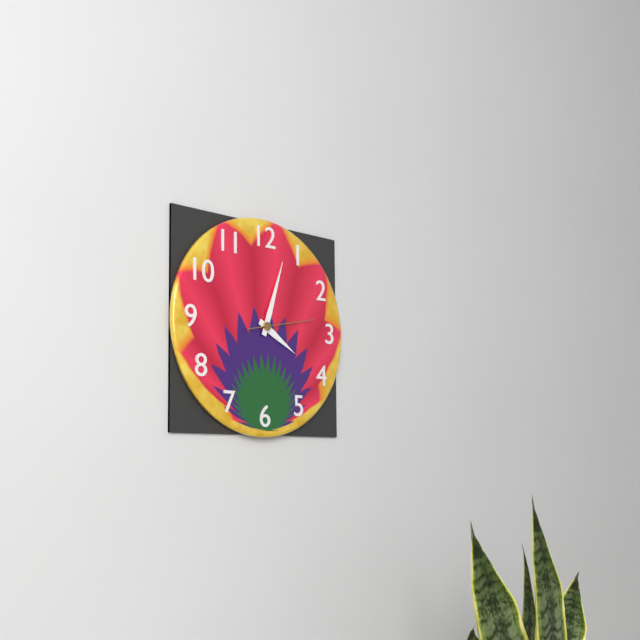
4:03:13
